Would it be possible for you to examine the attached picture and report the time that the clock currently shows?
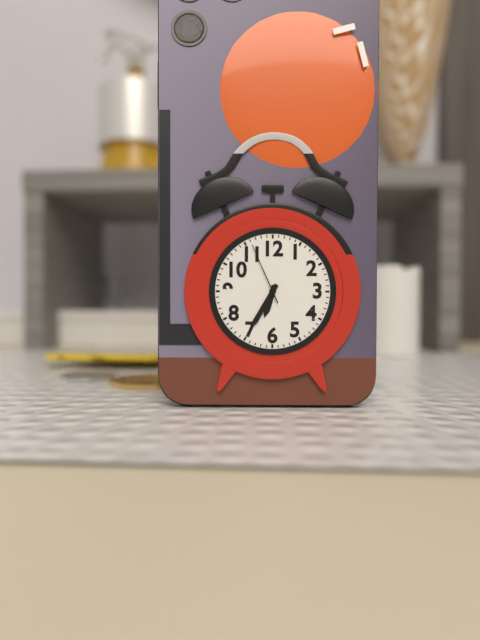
6:35:56
